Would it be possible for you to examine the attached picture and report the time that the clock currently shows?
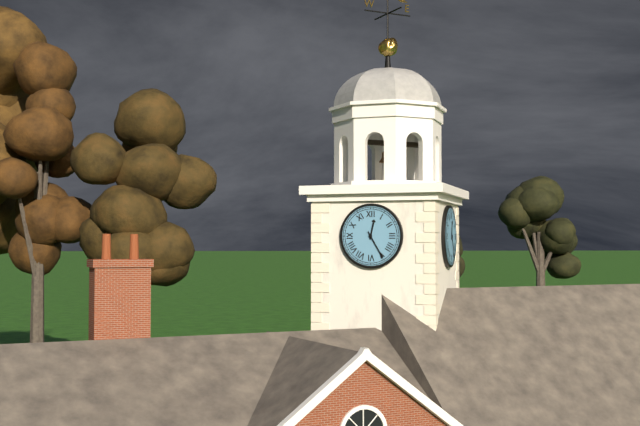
12:25
